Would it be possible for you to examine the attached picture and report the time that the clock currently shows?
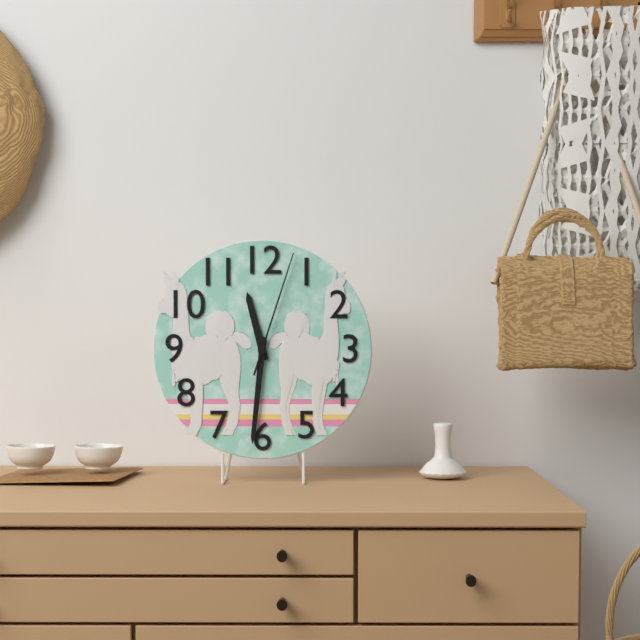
11:31:03
